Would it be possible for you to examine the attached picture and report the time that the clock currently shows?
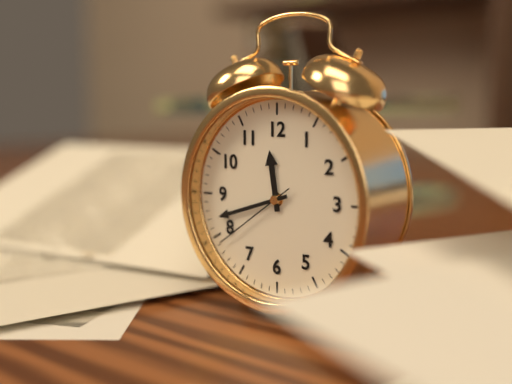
11:42:39
